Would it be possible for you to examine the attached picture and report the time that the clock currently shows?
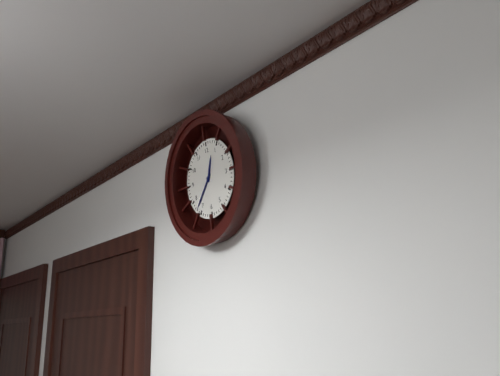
12:37
